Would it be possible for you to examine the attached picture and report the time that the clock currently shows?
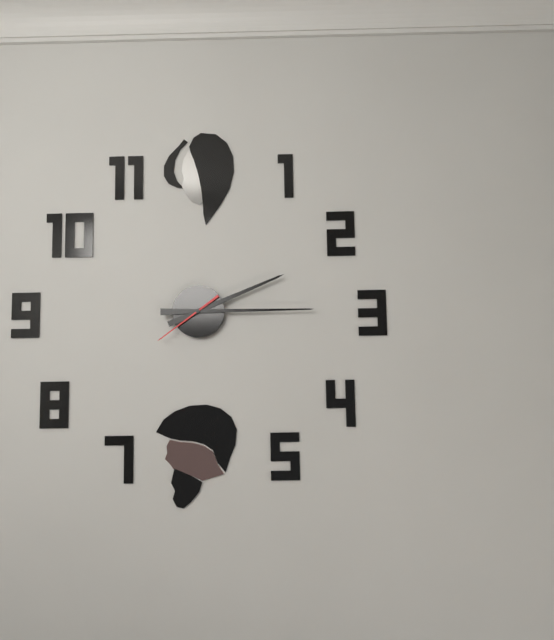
2:15:39
